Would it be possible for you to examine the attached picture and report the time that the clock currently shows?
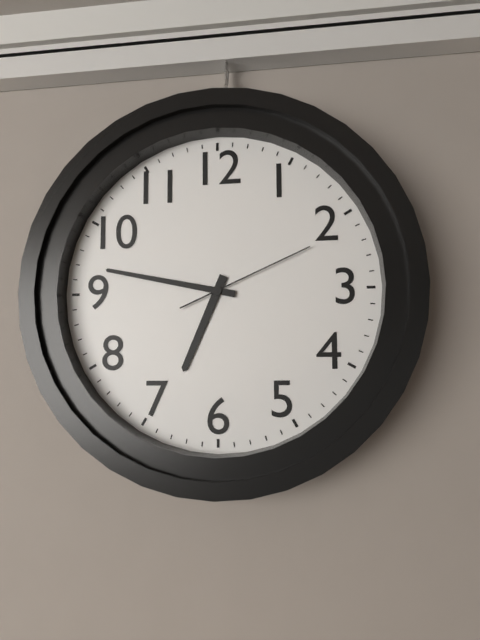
6:47:11
